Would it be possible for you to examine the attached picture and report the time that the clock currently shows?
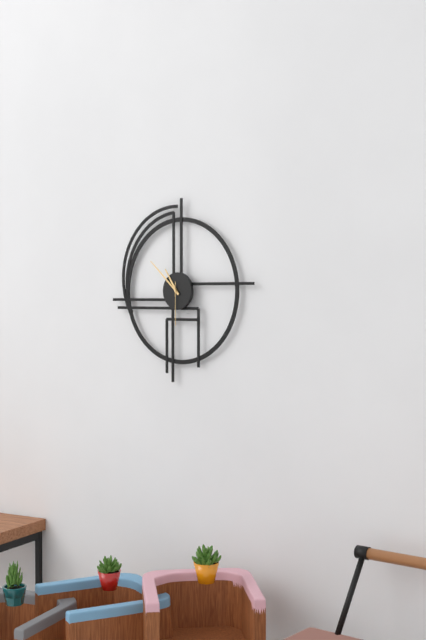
10:52
